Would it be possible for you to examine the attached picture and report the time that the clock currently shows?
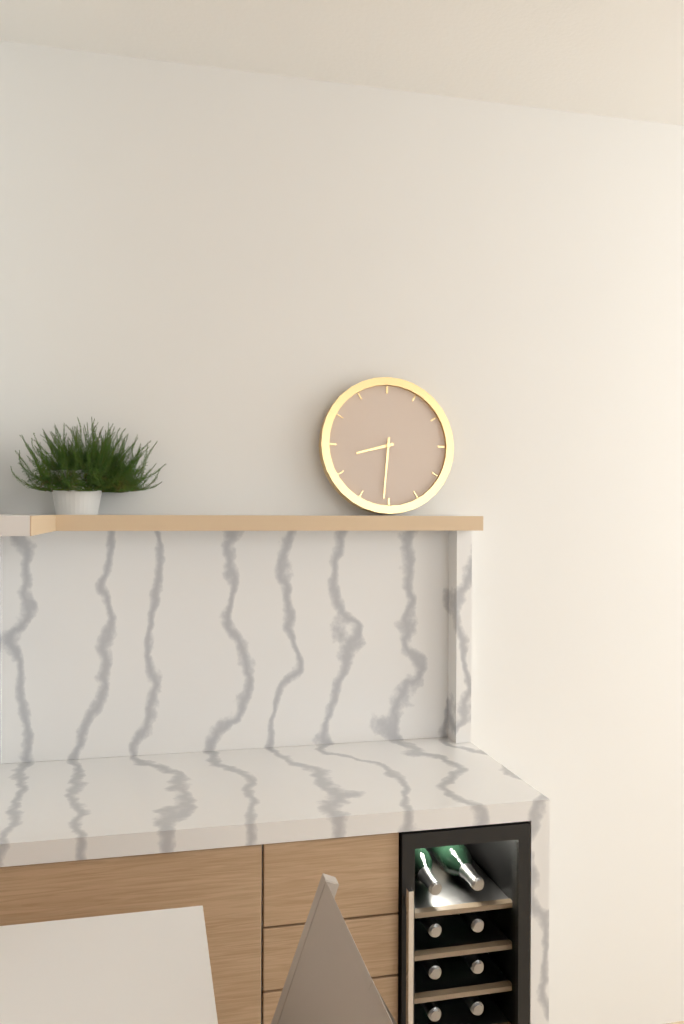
8:31
